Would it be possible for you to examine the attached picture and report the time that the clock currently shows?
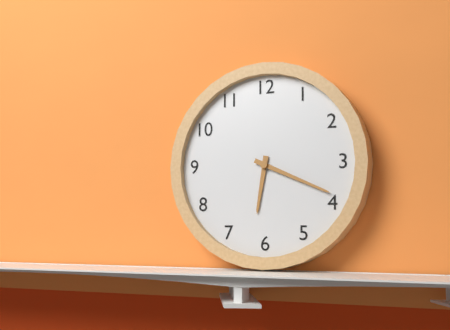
6:19
